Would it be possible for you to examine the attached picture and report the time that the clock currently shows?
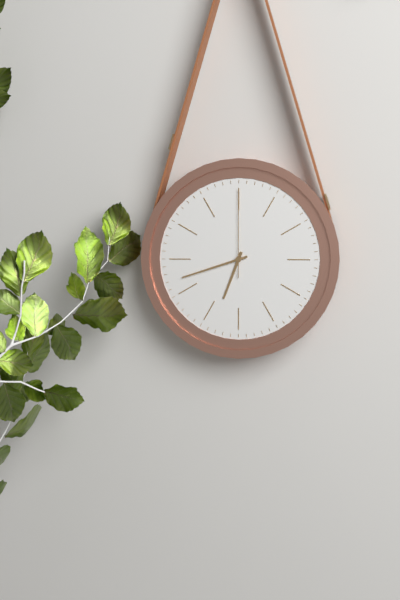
6:42:00
